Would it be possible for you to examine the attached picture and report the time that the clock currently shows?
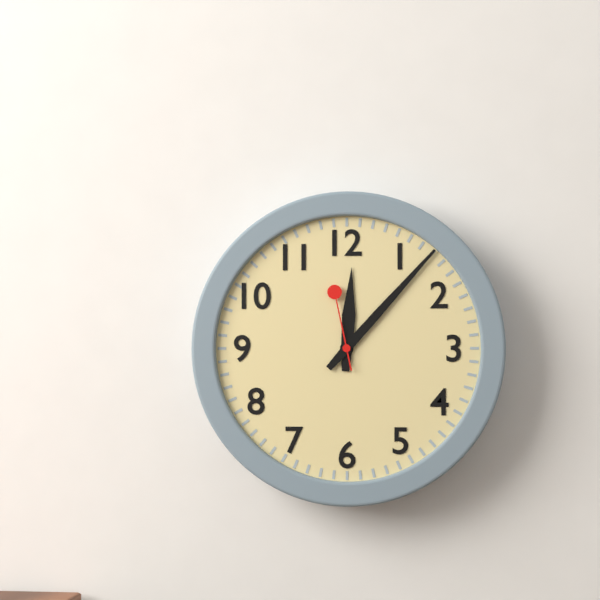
12:07:58
